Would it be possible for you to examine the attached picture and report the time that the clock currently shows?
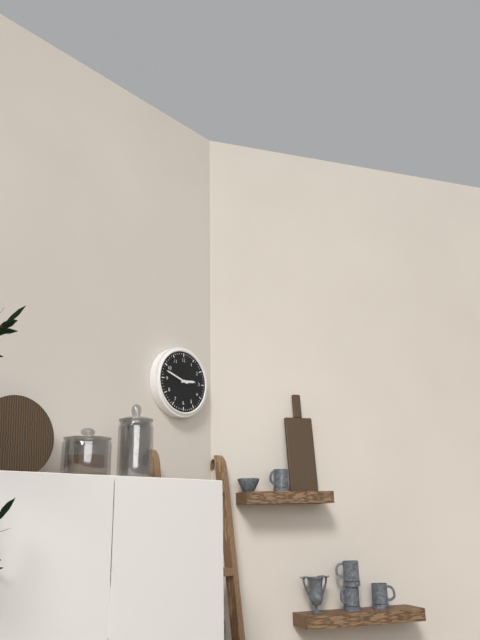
2:48
